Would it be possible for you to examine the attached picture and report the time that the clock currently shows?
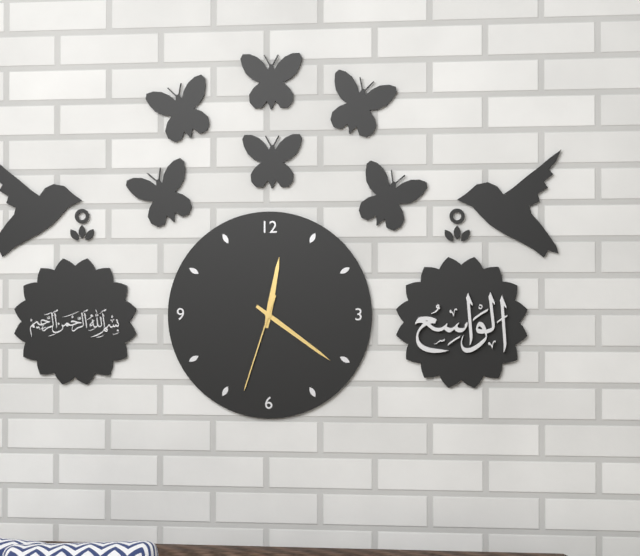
12:21:33
